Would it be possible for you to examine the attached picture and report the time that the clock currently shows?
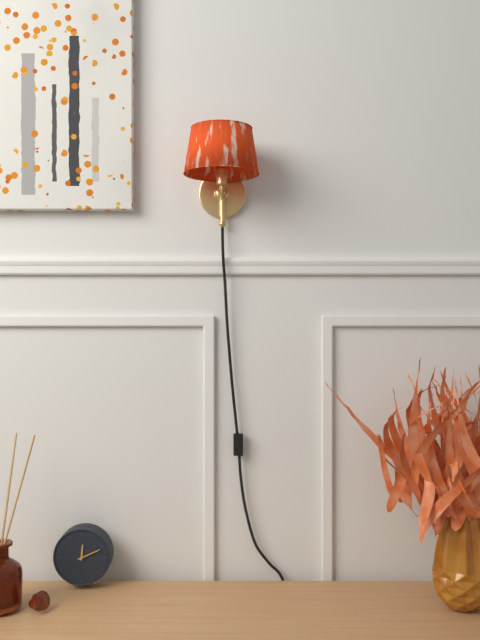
12:11
